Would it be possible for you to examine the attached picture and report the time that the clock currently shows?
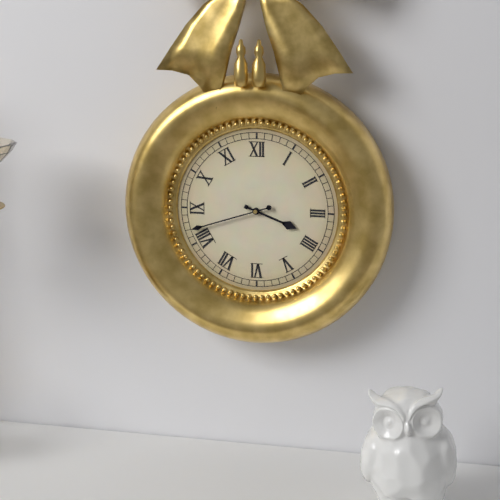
3:42
